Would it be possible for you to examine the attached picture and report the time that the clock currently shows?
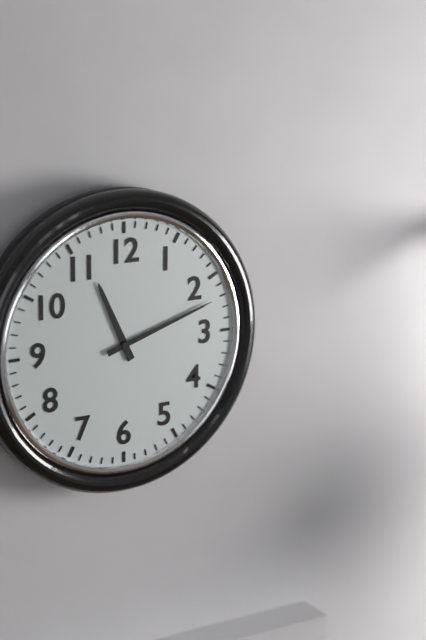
11:12
